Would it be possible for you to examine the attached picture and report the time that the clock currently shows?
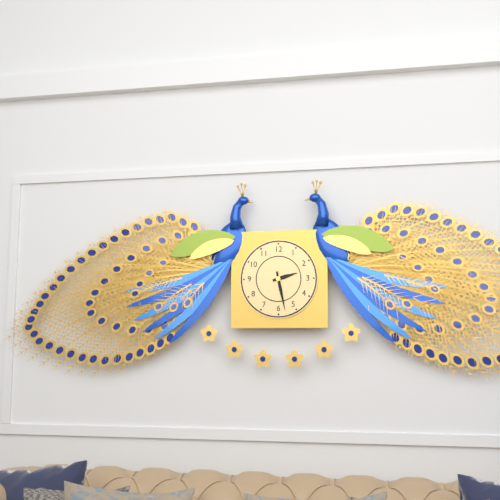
2:28
